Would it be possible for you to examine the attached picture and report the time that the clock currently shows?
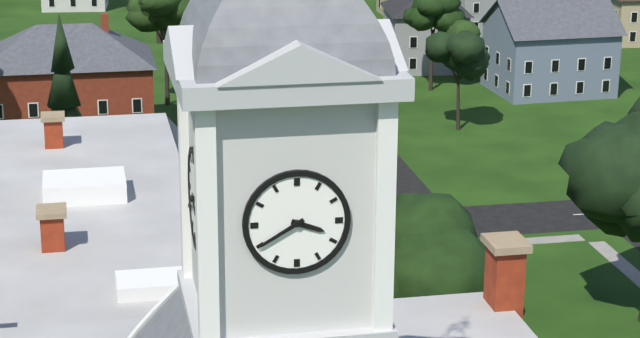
3:40
